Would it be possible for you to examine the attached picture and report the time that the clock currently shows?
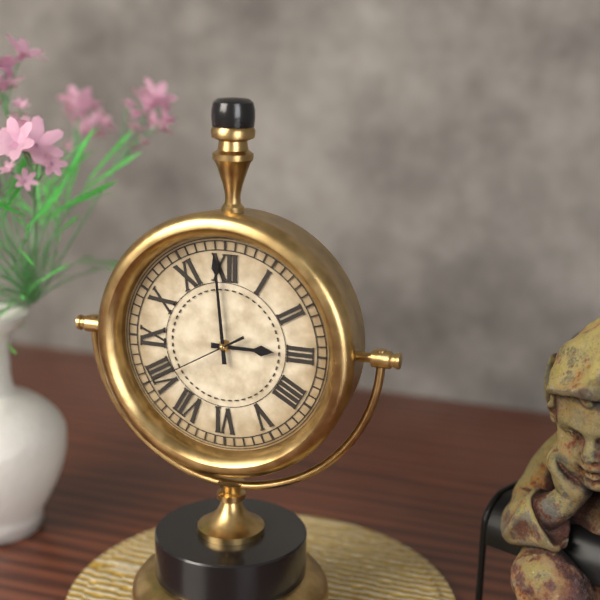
2:59:40
